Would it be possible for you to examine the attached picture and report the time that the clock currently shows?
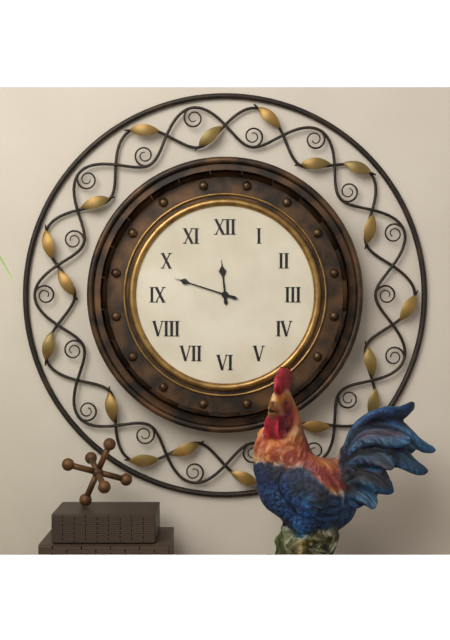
11:48
